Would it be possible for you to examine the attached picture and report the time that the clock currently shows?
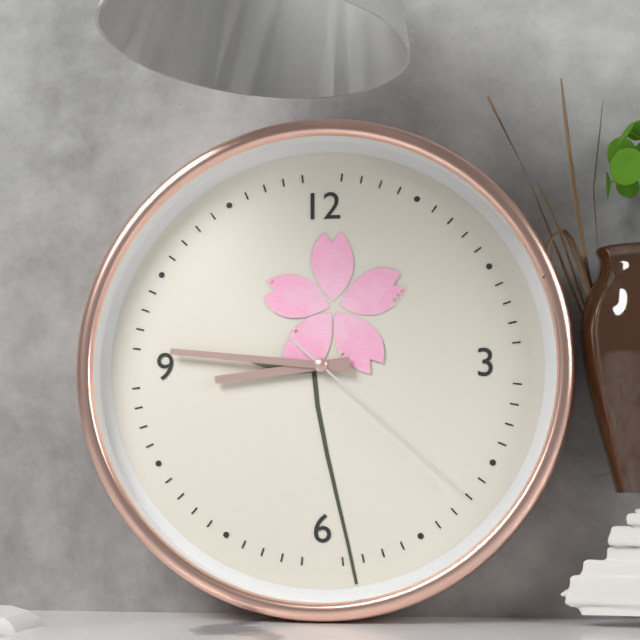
8:46:22
